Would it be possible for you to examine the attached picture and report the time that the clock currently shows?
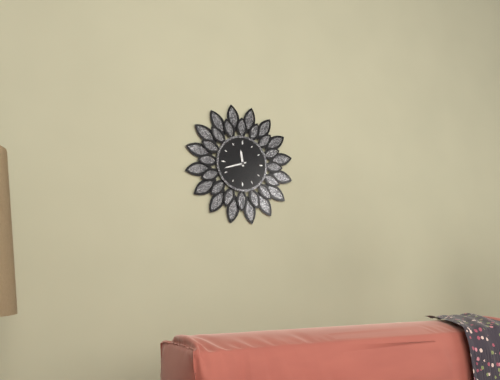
11:42
